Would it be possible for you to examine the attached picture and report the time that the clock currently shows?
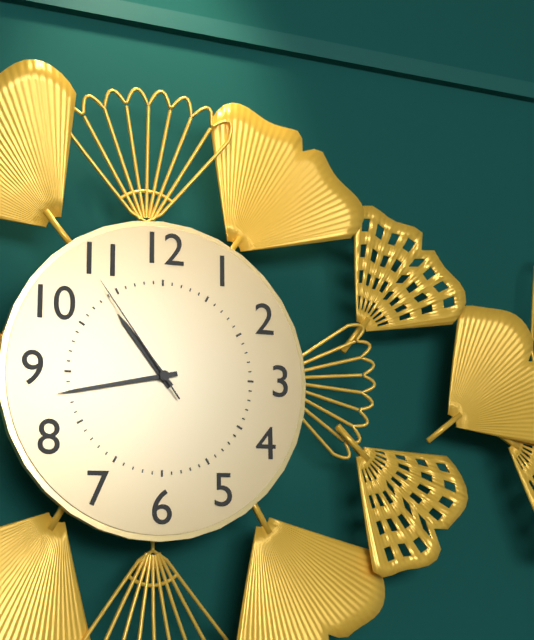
10:43:54
